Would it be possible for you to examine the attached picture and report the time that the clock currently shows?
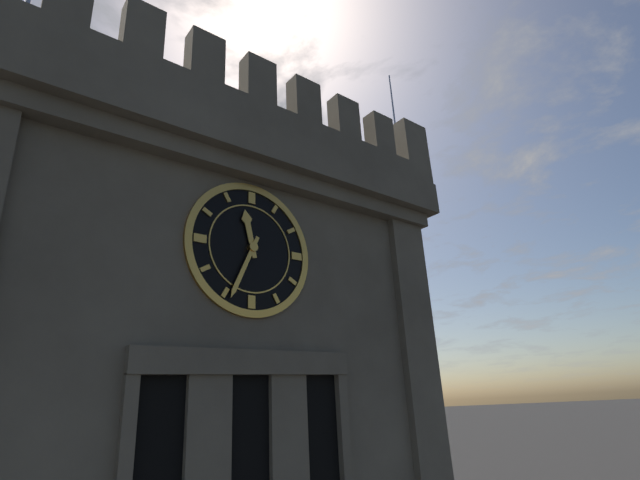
11:34
